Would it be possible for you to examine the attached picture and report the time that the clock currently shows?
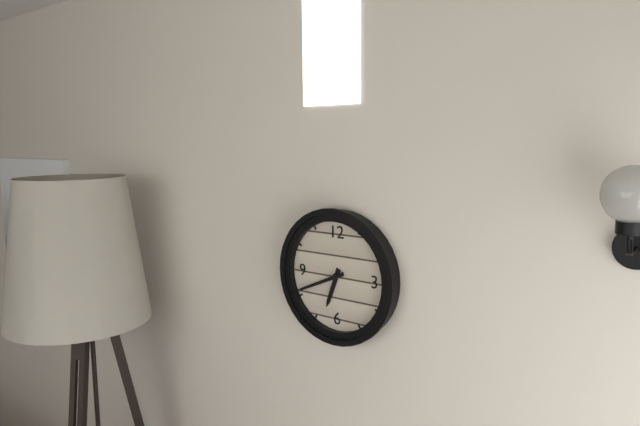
6:41
